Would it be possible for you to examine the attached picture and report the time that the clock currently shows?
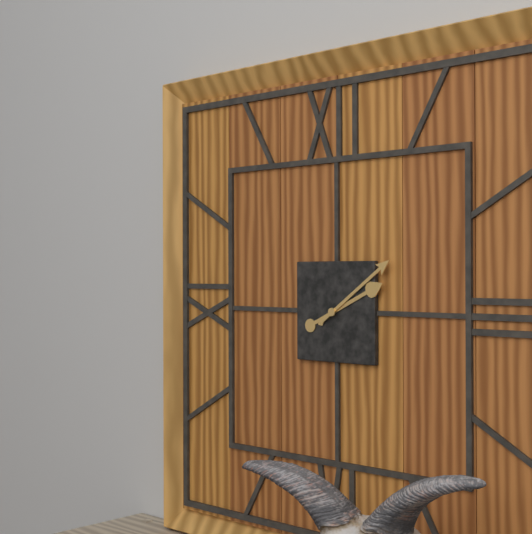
2:09
